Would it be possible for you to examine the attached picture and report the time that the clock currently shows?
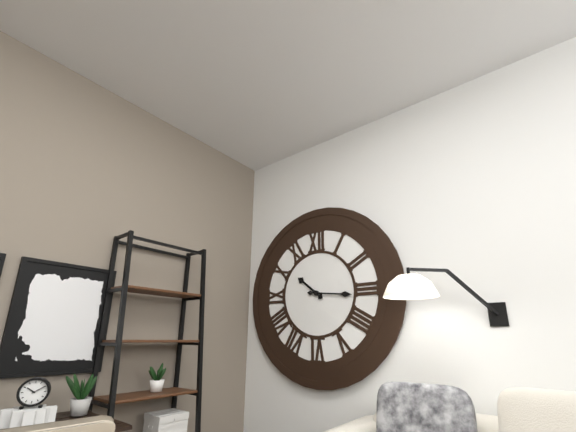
10:16
